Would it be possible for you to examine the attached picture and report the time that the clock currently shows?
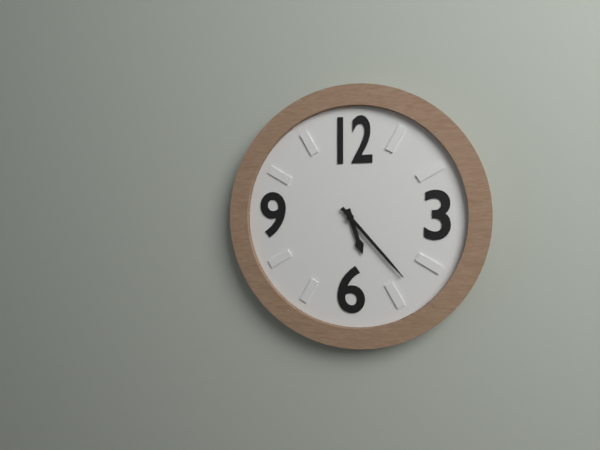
5:23
